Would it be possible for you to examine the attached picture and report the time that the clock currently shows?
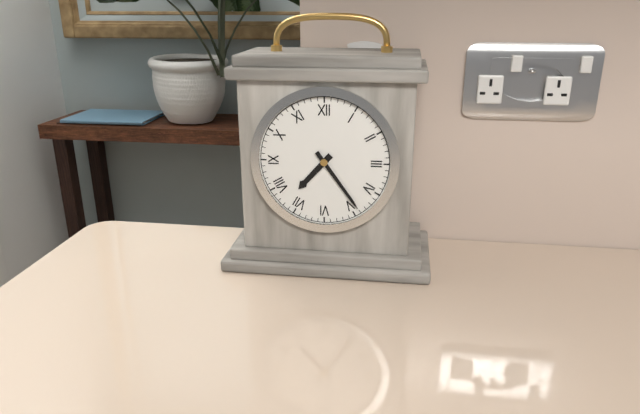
7:24
